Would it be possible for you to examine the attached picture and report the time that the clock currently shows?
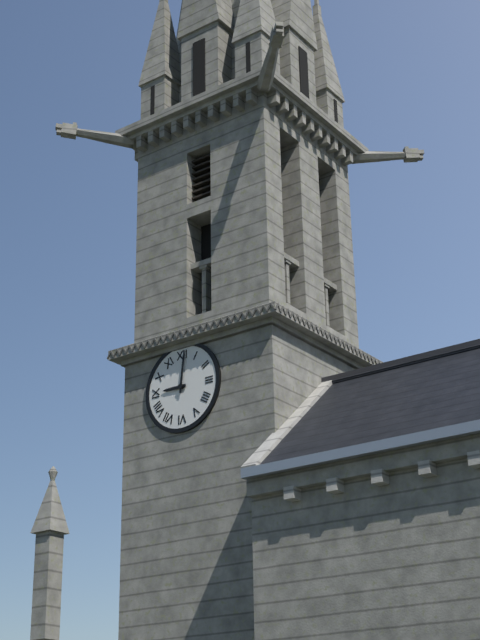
9:01
